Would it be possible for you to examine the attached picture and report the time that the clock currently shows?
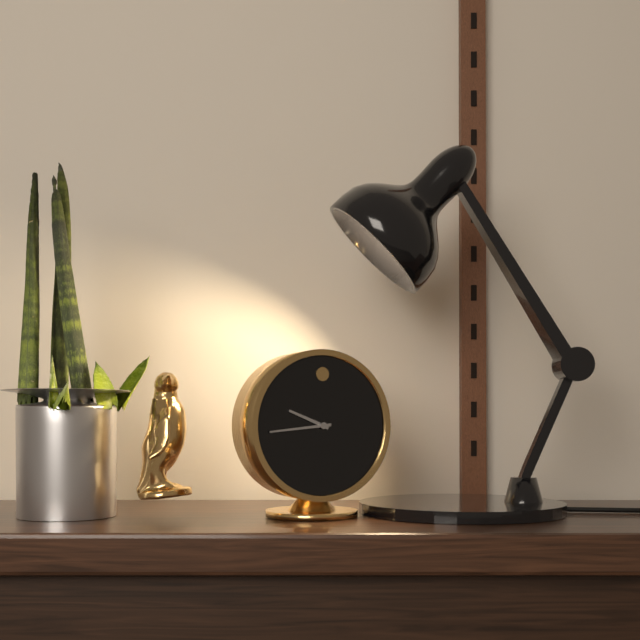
9:44
